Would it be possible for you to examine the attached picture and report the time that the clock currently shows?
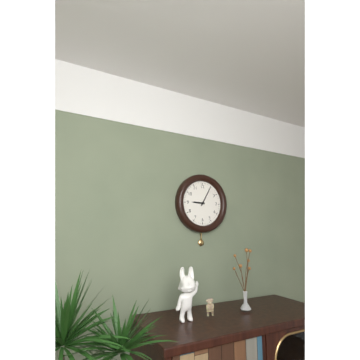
9:05
